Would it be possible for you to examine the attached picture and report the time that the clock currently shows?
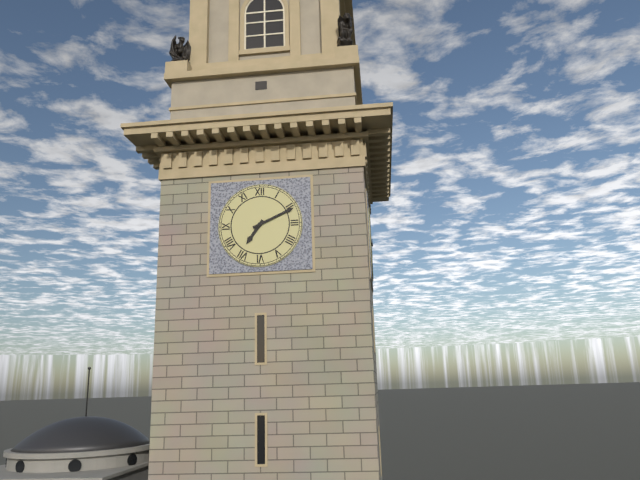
7:11
